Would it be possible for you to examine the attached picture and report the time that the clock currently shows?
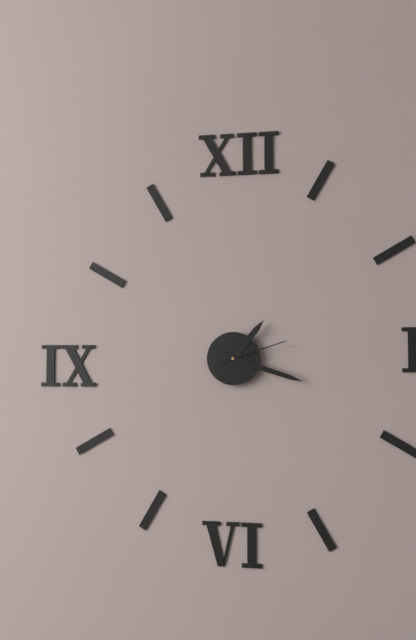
1:18:12
